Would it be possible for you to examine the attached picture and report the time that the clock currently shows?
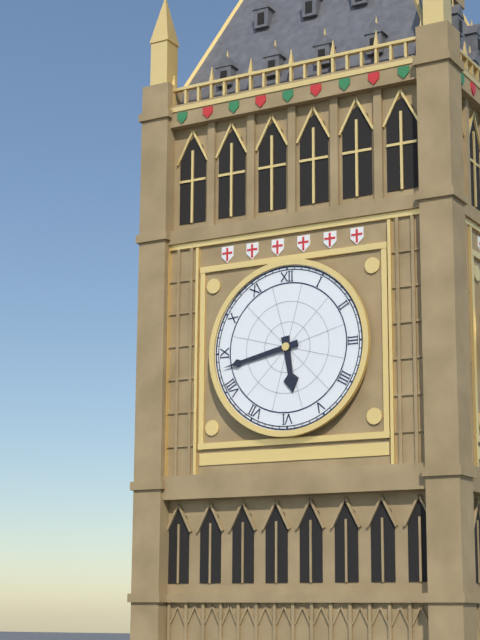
5:43
